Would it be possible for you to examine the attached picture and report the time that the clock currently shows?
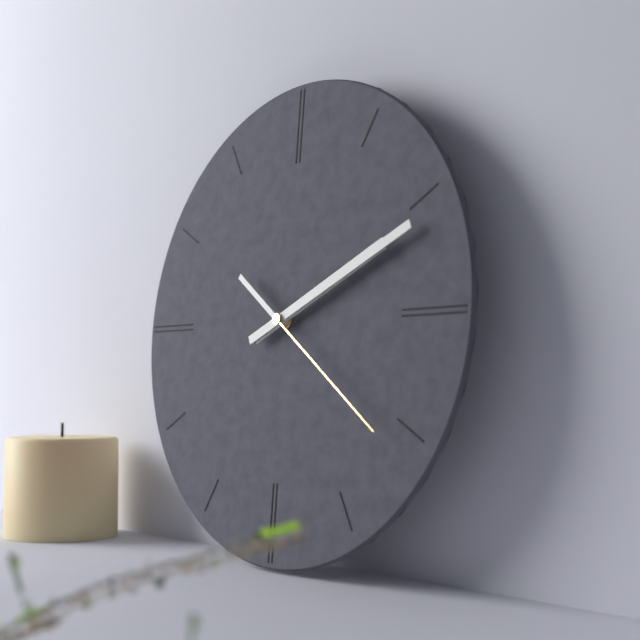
2:11:21
